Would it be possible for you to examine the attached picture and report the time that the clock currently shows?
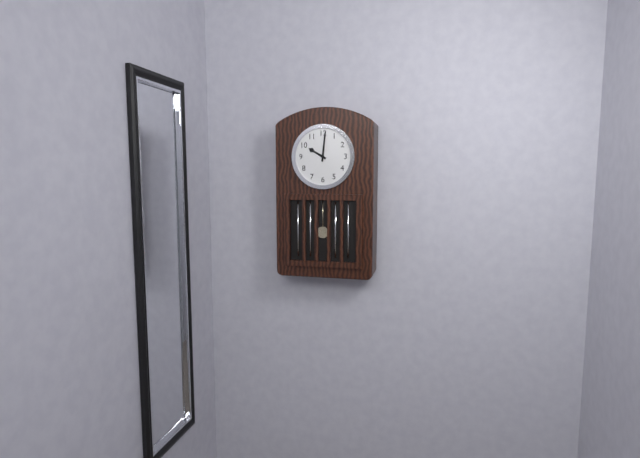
10:01
